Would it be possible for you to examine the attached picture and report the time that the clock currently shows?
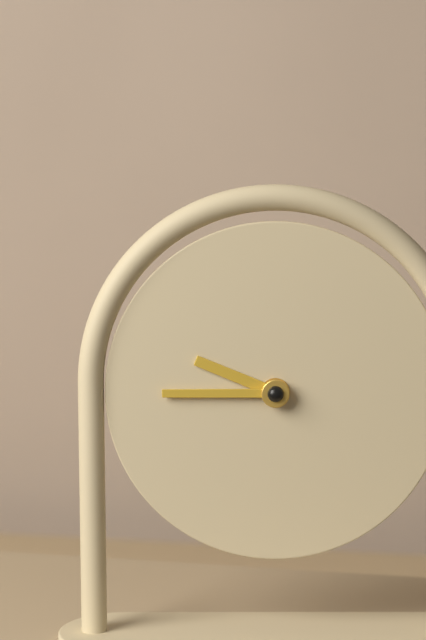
9:45
